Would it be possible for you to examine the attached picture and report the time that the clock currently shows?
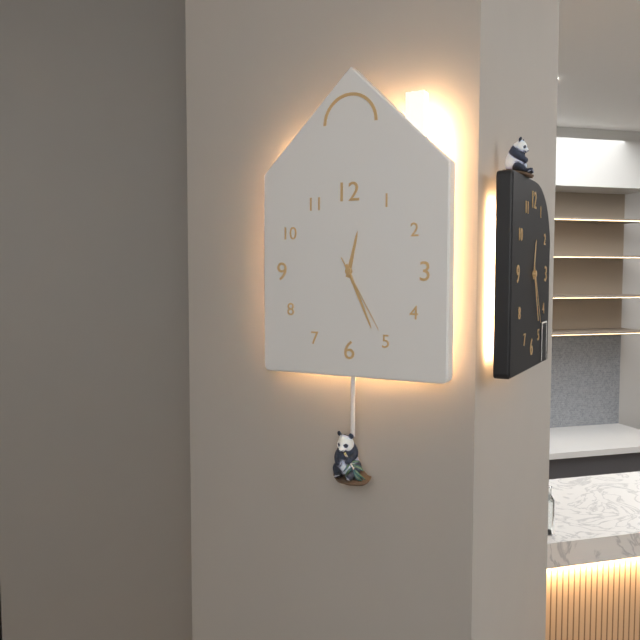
12:26:25
